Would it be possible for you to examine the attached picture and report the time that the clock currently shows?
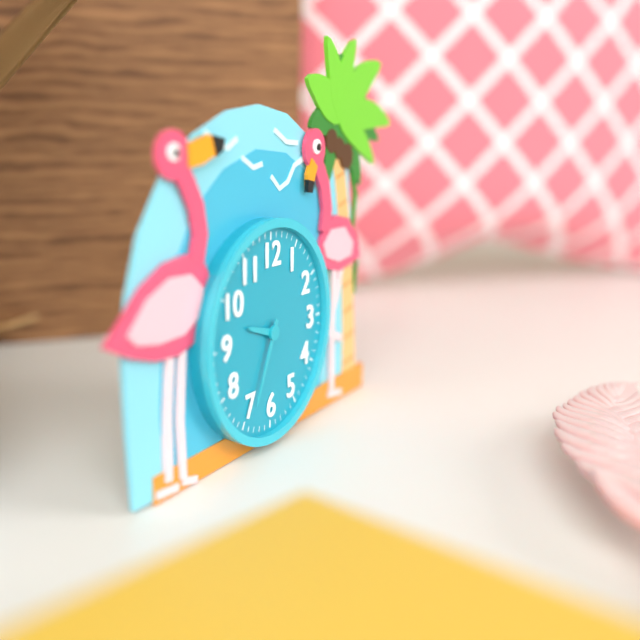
9:34
